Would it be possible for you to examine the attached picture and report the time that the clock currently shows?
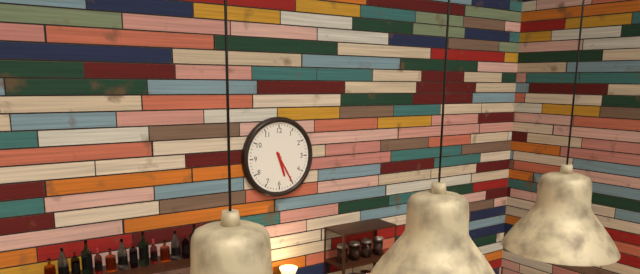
5:25
